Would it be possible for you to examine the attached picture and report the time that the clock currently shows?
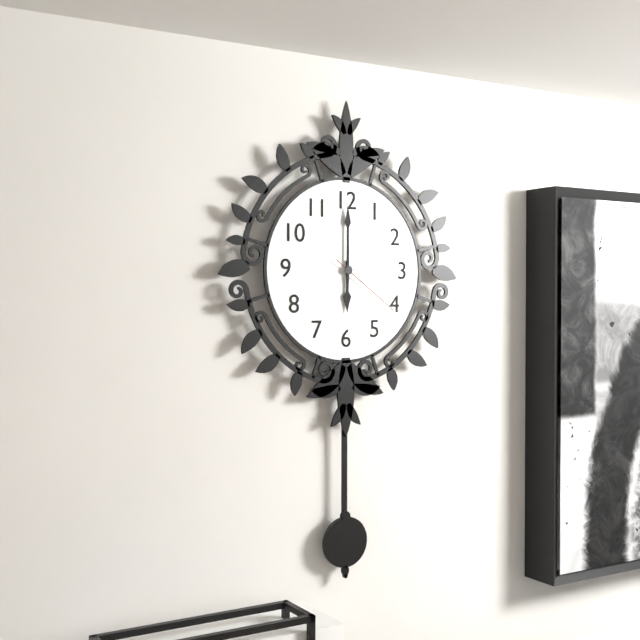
6:00:21
